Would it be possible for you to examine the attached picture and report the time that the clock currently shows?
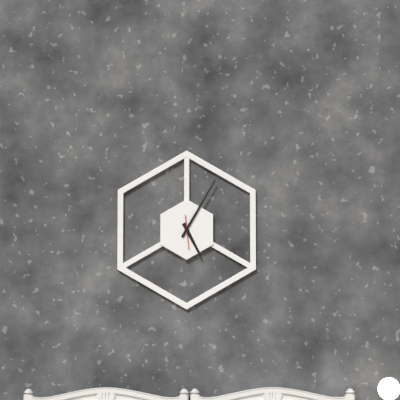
5:05
